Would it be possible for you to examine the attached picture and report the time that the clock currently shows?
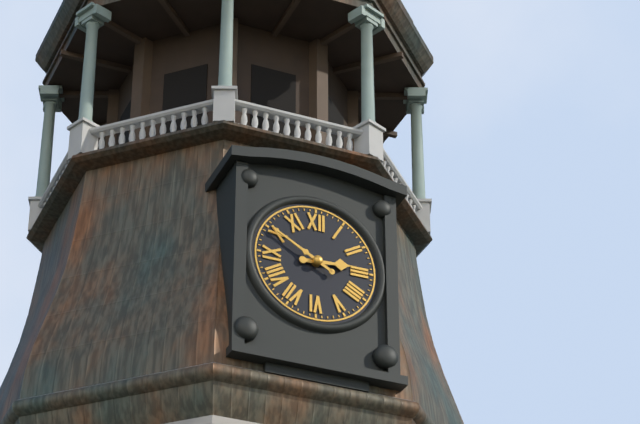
2:50
